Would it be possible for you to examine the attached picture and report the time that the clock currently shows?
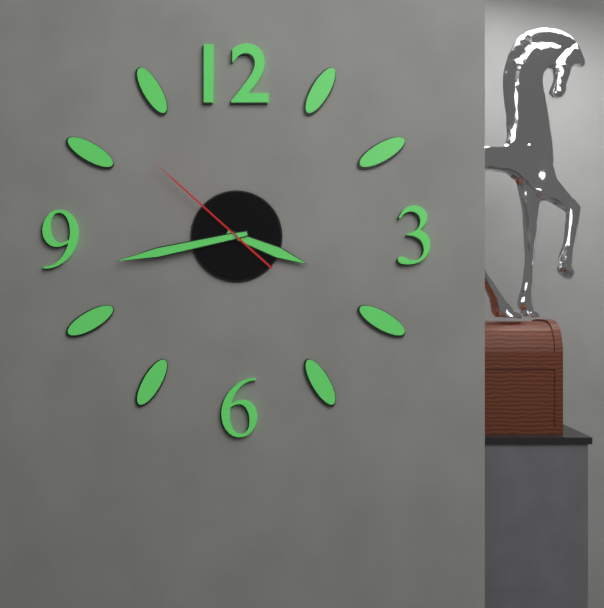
3:43:52
